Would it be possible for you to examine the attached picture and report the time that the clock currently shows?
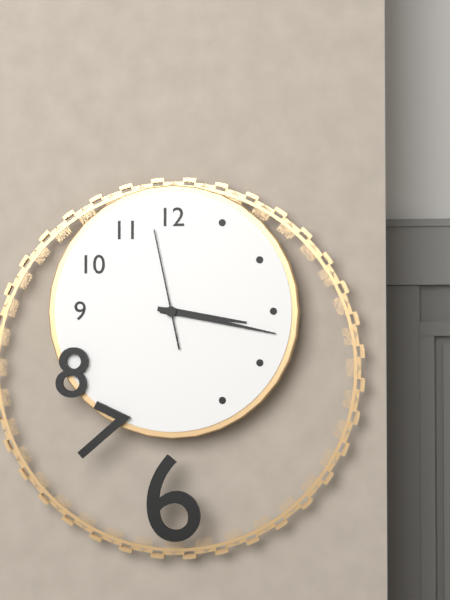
3:17:58
